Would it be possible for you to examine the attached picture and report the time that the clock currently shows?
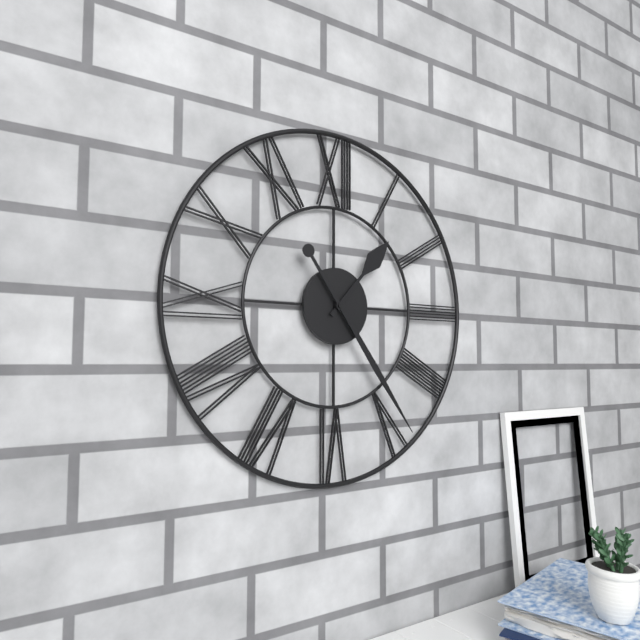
1:24
